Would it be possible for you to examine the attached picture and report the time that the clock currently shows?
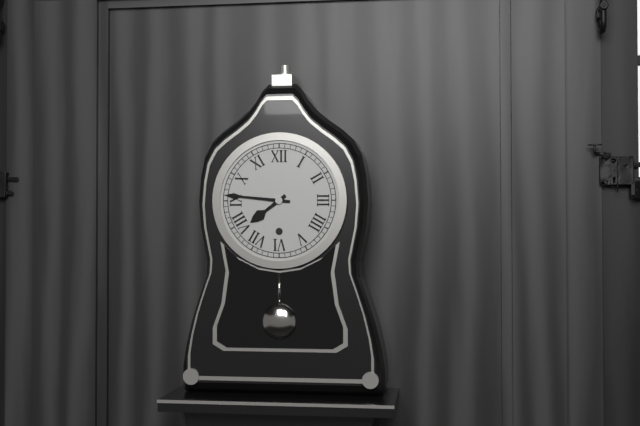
7:46
